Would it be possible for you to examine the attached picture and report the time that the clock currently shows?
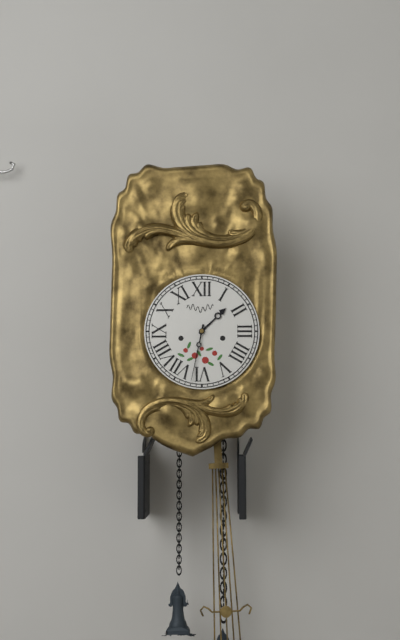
1:32
